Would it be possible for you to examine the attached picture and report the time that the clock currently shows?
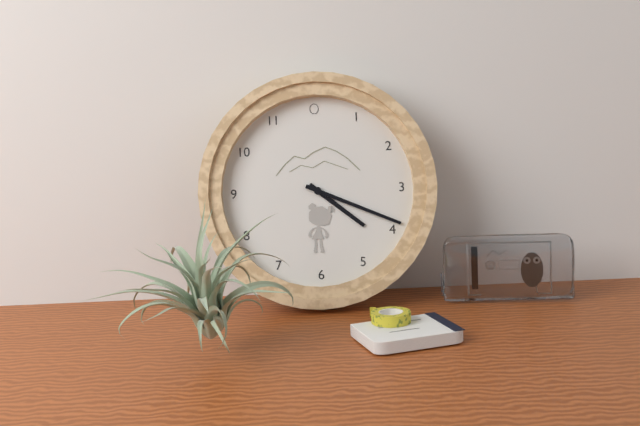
4:19
